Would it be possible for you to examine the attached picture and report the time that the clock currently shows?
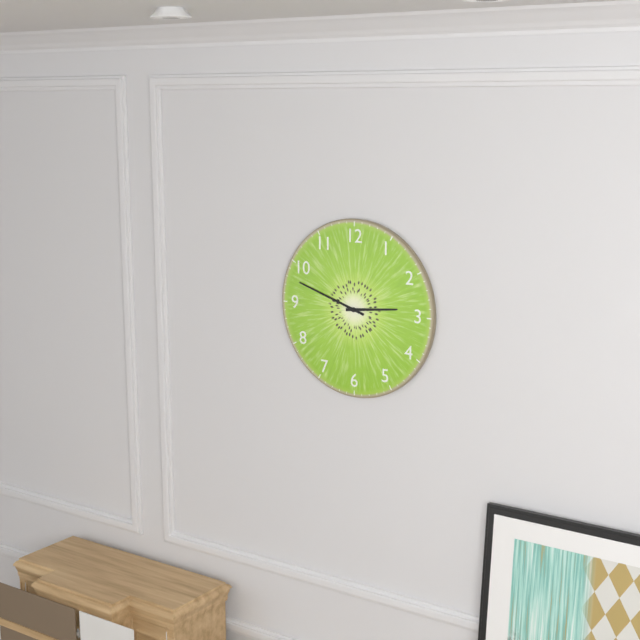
2:48
